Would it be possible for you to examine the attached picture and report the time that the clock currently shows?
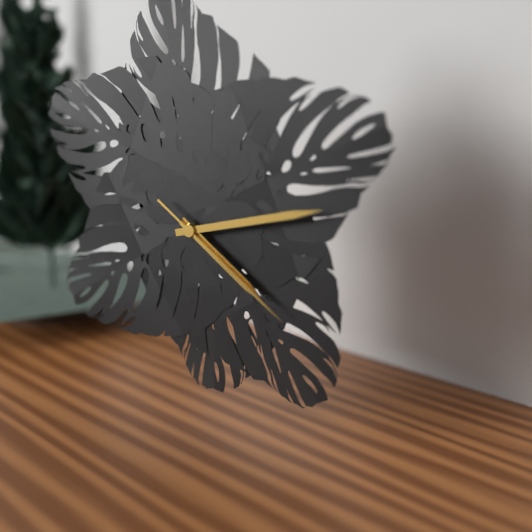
4:13:21
